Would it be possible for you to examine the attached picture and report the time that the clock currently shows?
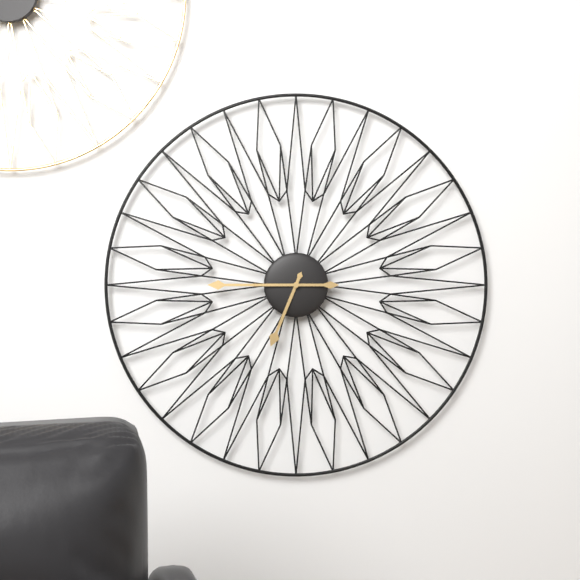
6:45
